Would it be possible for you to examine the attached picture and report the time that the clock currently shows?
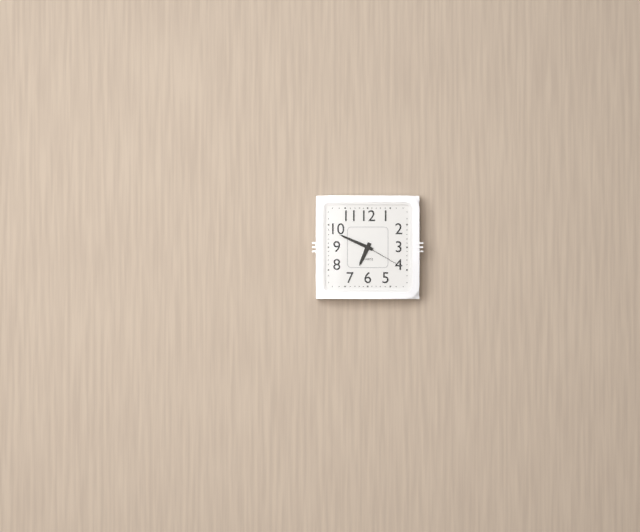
6:49
